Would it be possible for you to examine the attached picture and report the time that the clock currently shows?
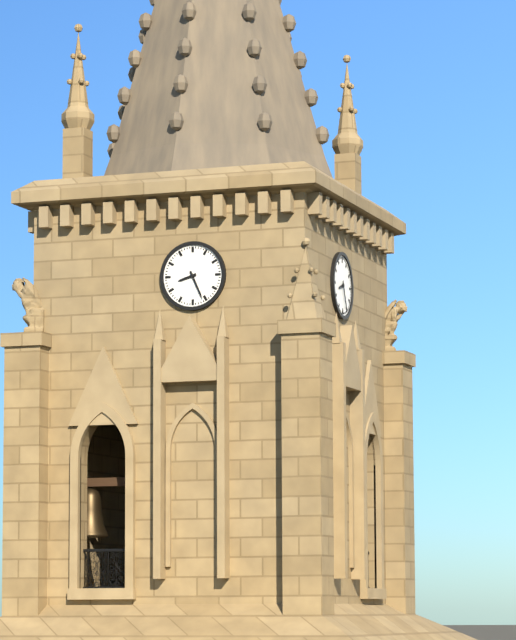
8:26
